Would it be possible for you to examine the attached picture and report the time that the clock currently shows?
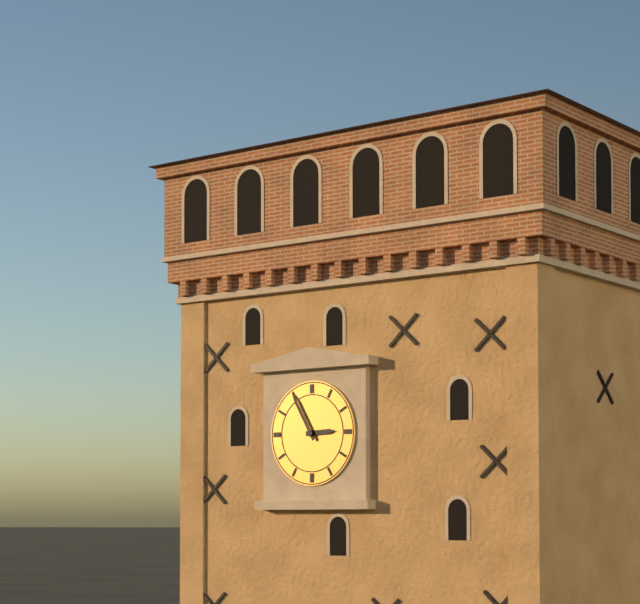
2:55
